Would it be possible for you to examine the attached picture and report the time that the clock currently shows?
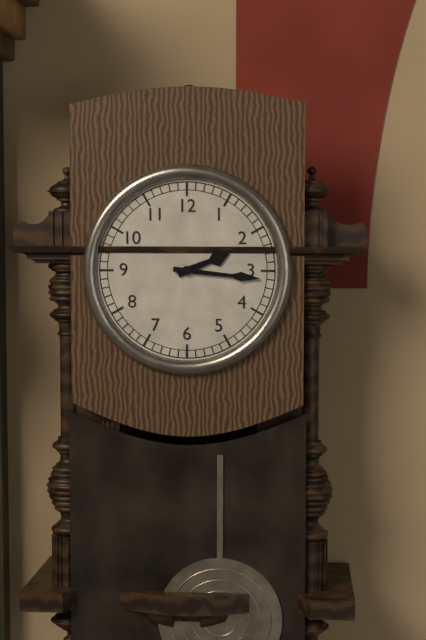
2:16
